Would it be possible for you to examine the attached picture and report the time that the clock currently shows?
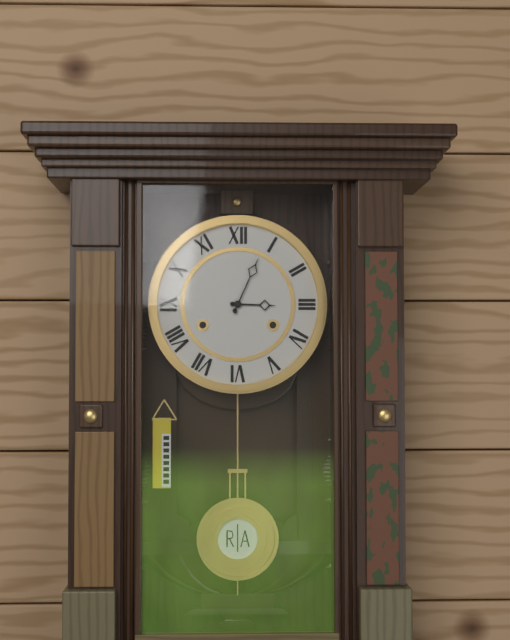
3:04
